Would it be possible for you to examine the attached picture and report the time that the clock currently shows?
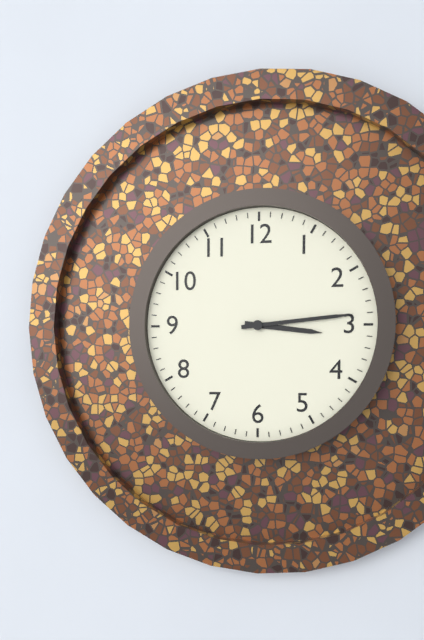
3:14
